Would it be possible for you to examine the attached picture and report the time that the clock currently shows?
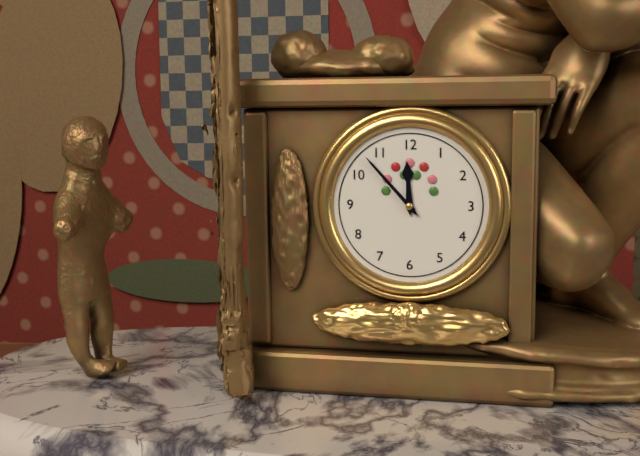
11:53
